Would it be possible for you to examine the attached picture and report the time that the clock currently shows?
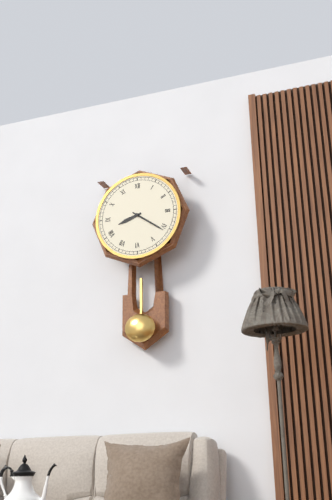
8:21
